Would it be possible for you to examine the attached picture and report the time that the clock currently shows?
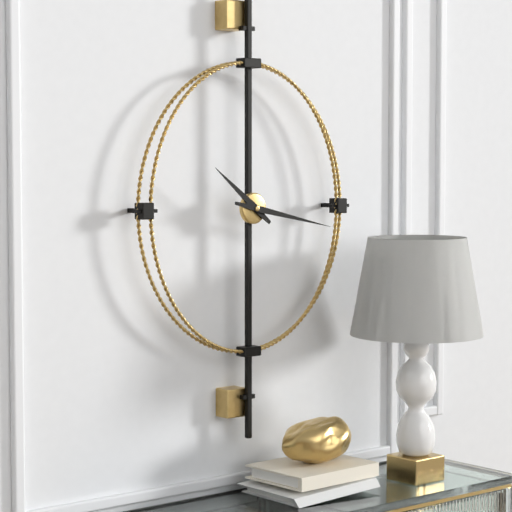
10:17
